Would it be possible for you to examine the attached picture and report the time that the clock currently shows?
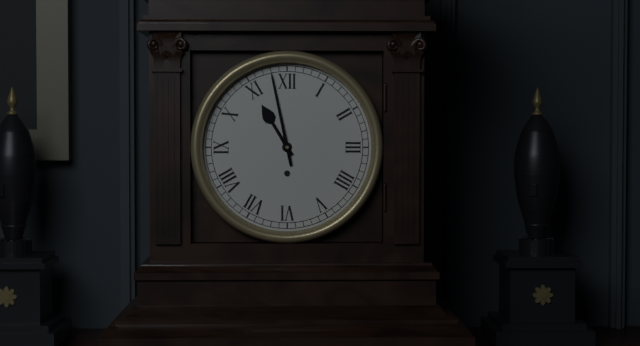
10:58
